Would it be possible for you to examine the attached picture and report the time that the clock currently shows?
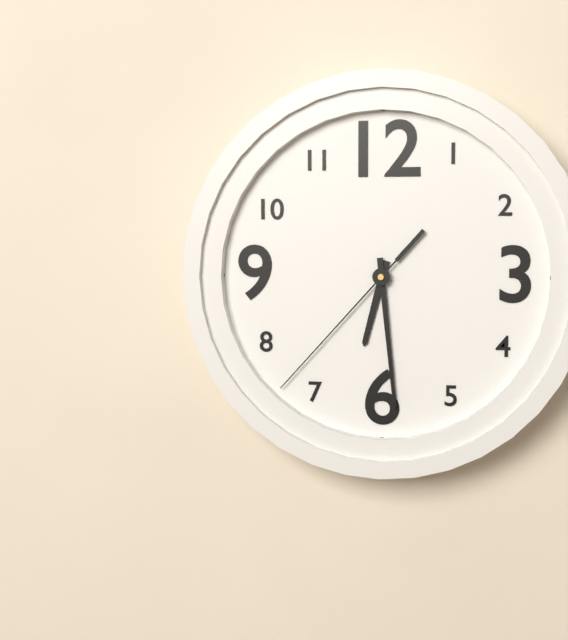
6:29:37
